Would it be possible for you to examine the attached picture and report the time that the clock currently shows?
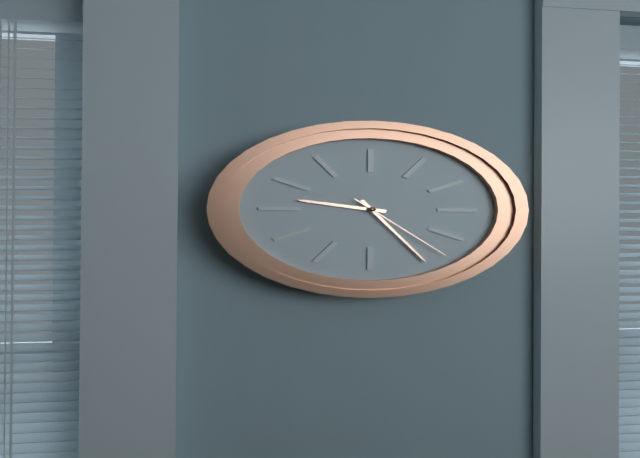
9:25:23
